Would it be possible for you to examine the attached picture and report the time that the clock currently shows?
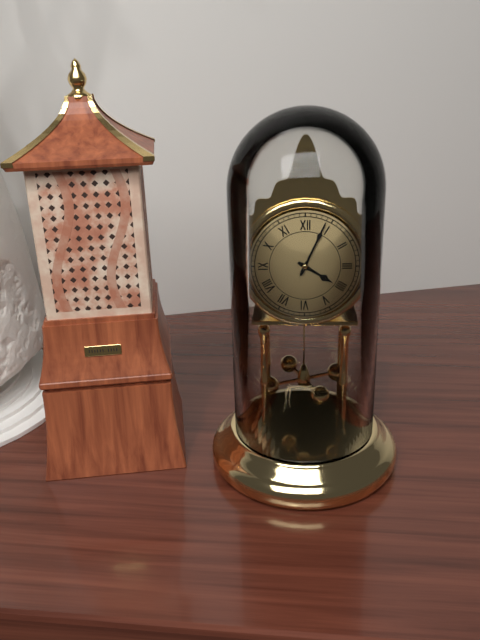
4:04
